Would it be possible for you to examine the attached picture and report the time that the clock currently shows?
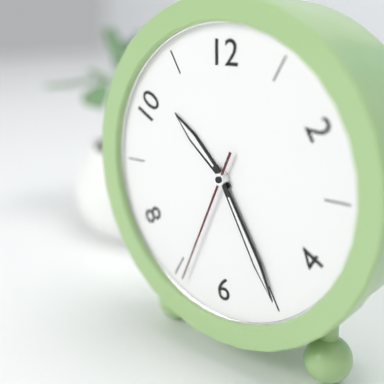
10:25:34
